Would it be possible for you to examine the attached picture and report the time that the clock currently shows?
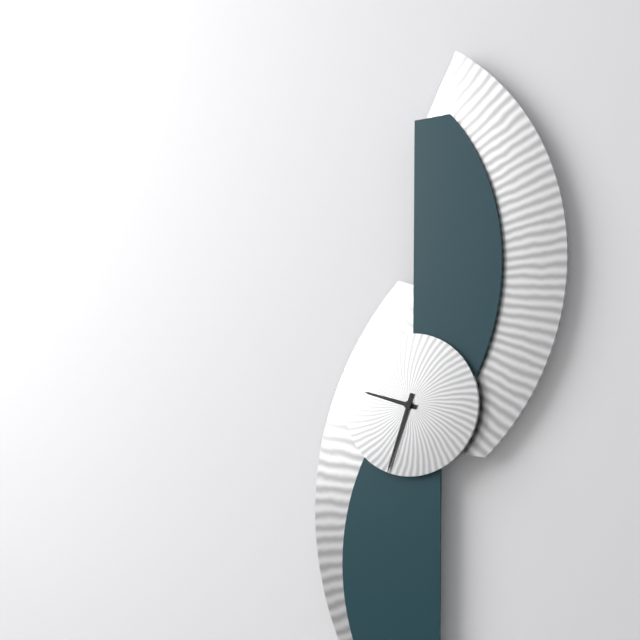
9:33
